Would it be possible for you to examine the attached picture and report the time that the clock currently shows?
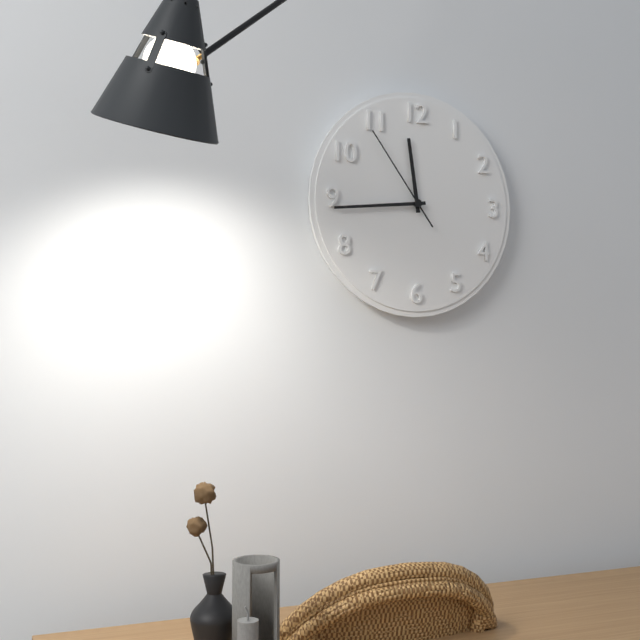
11:44:54
